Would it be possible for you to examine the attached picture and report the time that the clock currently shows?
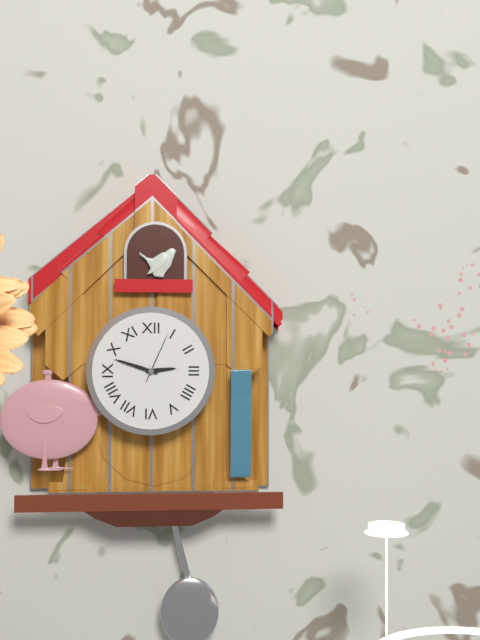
2:48:04
